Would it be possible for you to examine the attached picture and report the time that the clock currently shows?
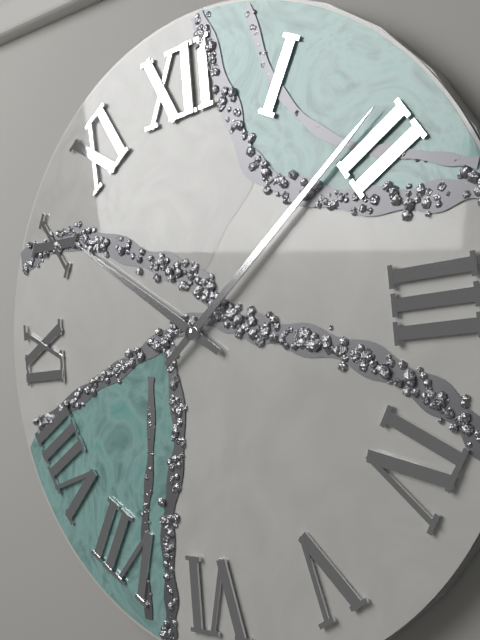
10:09
